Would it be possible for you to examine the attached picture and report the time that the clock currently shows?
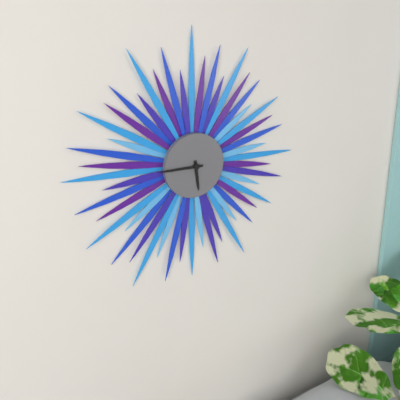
5:45
